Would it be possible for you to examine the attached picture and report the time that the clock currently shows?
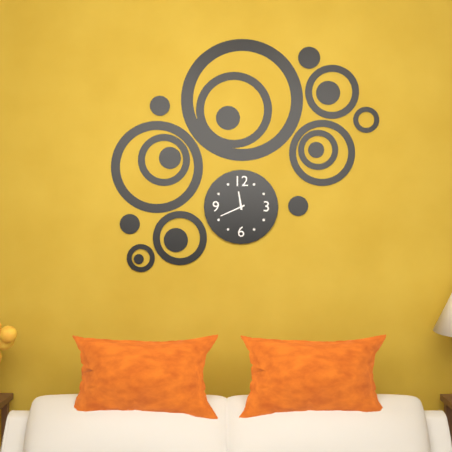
11:41
